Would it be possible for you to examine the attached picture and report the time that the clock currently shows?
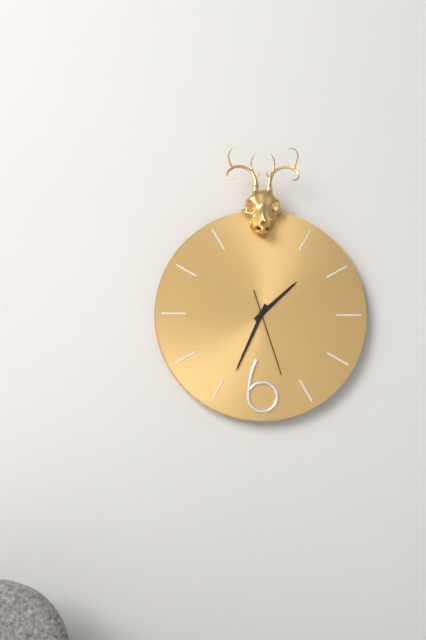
1:34:27
